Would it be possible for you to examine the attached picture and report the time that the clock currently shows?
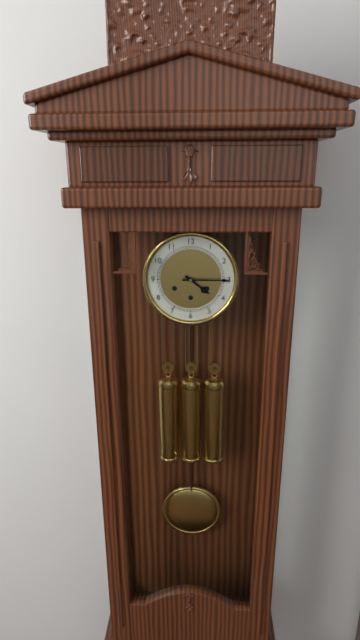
4:15
